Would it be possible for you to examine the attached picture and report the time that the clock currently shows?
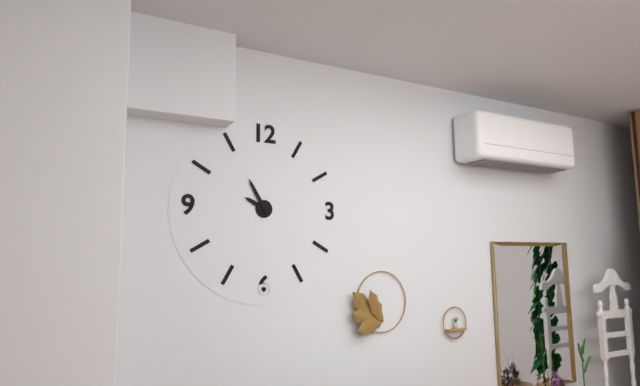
9:55
